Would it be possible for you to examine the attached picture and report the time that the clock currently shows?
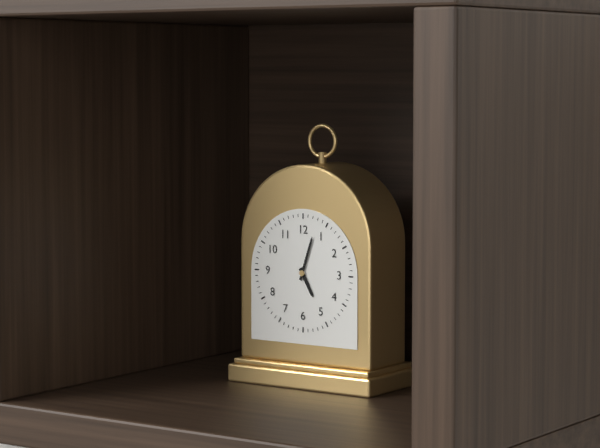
5:03
